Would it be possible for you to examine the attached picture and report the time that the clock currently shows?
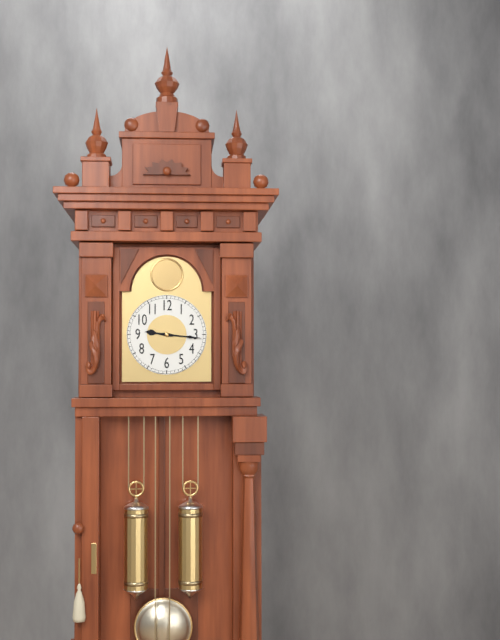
9:16
